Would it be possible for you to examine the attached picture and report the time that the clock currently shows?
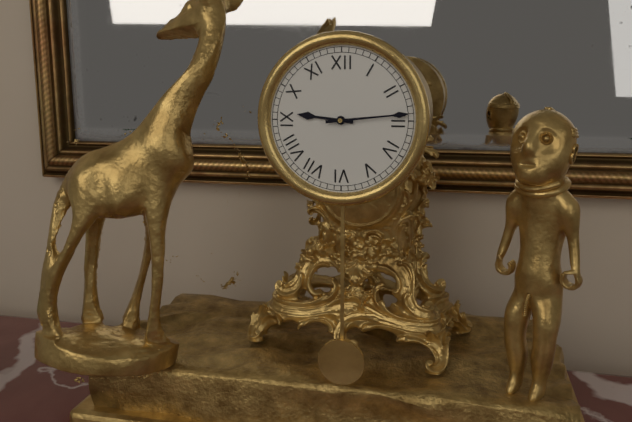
9:14
